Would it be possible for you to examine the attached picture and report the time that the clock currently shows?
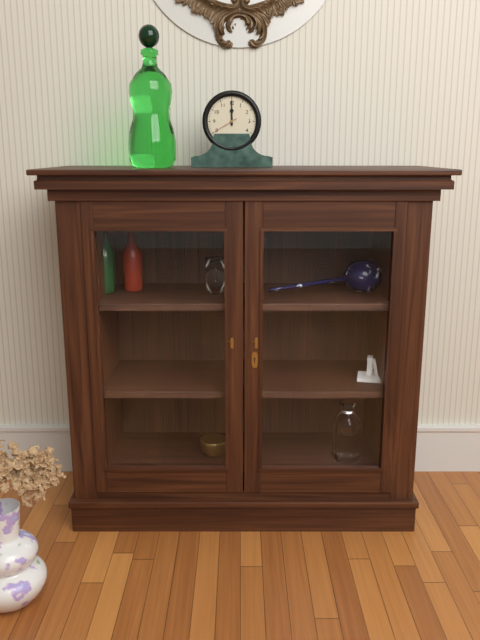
12:00
